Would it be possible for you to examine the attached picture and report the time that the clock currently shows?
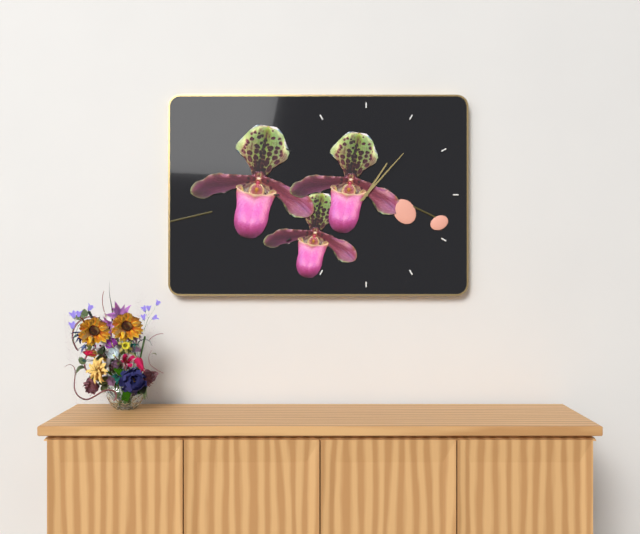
1:07
